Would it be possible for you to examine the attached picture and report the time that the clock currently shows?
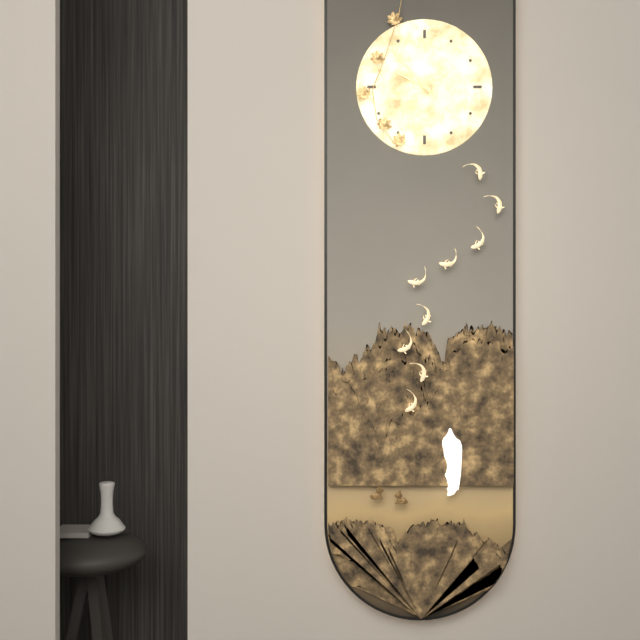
9:53
